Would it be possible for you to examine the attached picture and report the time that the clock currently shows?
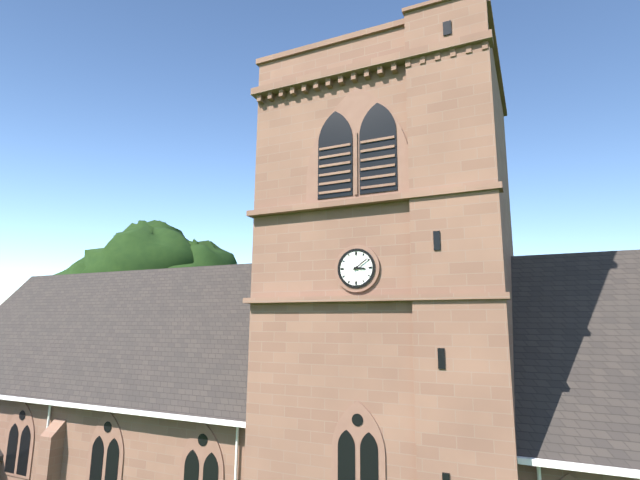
3:09
